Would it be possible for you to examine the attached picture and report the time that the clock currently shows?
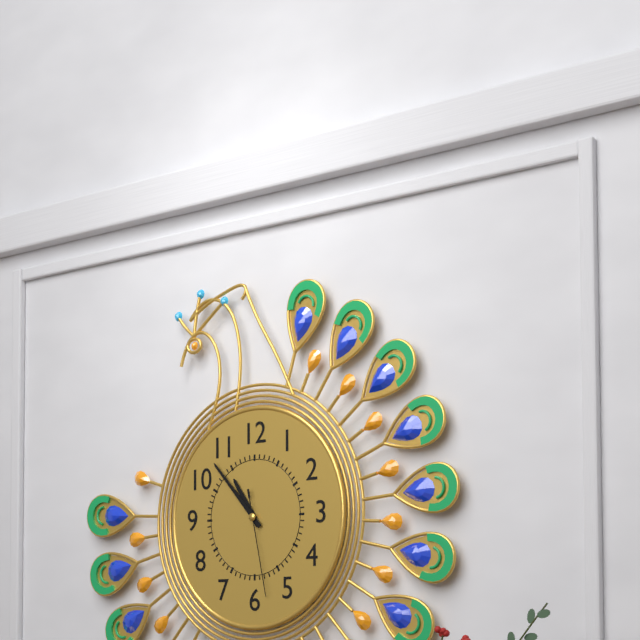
10:53:28
